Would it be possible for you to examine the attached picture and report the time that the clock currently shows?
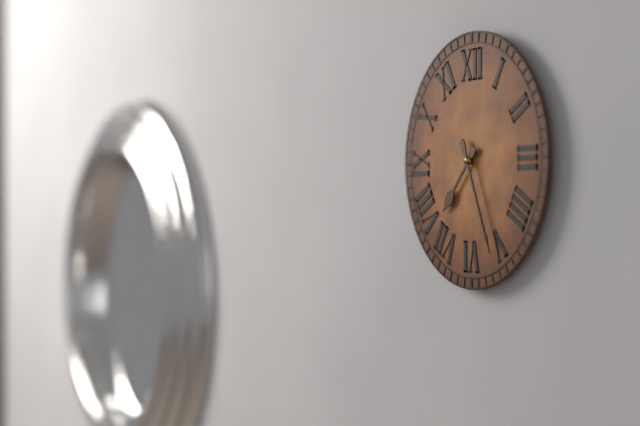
7:26
